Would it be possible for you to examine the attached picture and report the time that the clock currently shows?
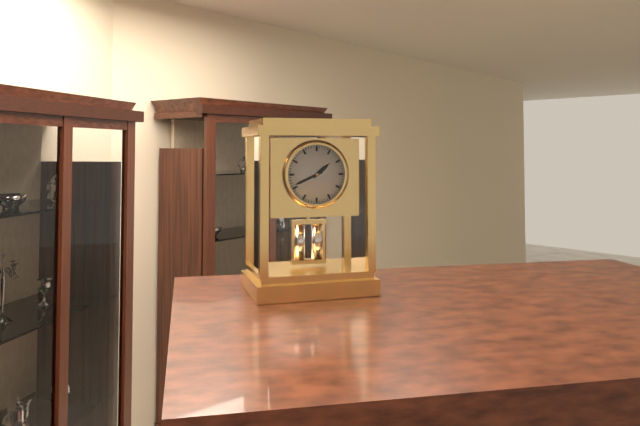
1:41
